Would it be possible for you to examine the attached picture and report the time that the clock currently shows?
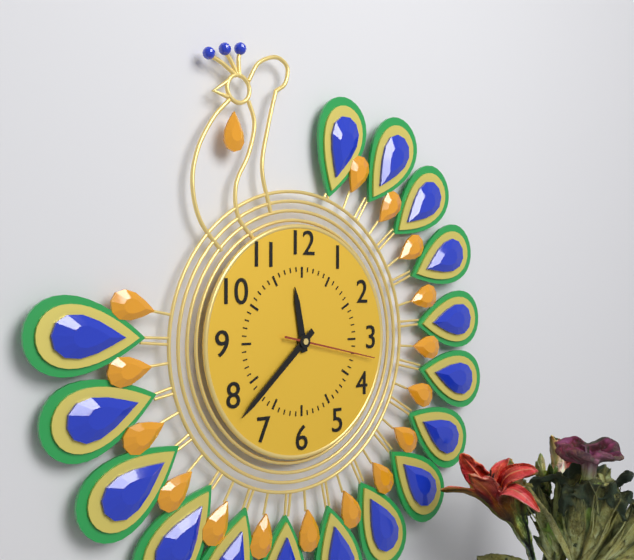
11:38:17
